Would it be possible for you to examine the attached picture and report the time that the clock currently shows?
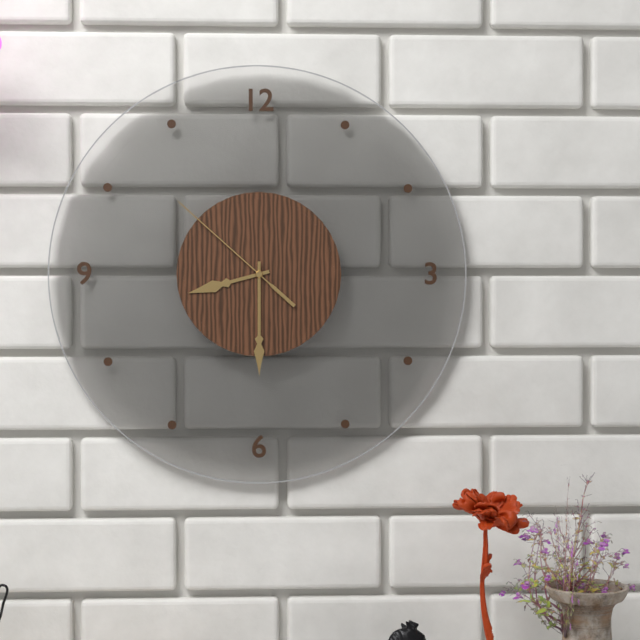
8:30:52
